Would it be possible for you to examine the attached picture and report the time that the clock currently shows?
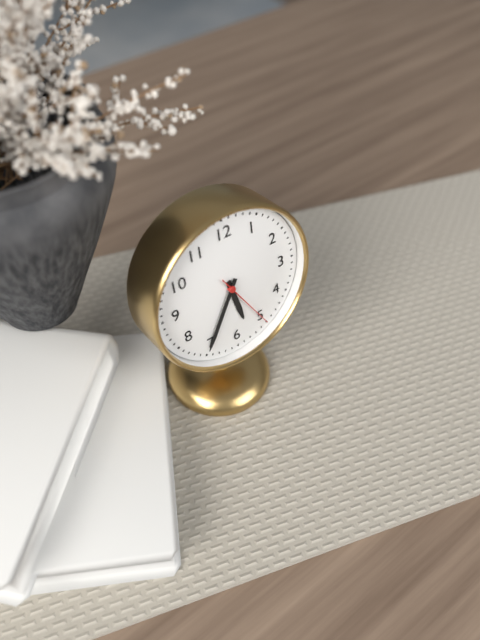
5:35:25
